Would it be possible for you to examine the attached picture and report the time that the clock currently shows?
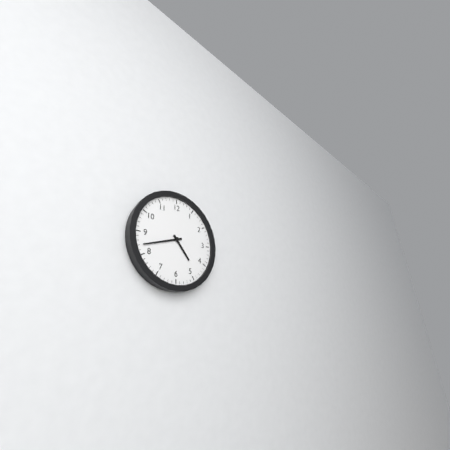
4:42
